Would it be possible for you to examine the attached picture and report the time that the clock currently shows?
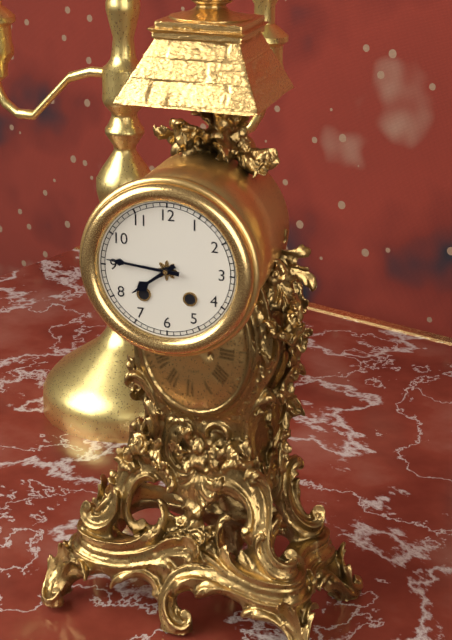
7:46
